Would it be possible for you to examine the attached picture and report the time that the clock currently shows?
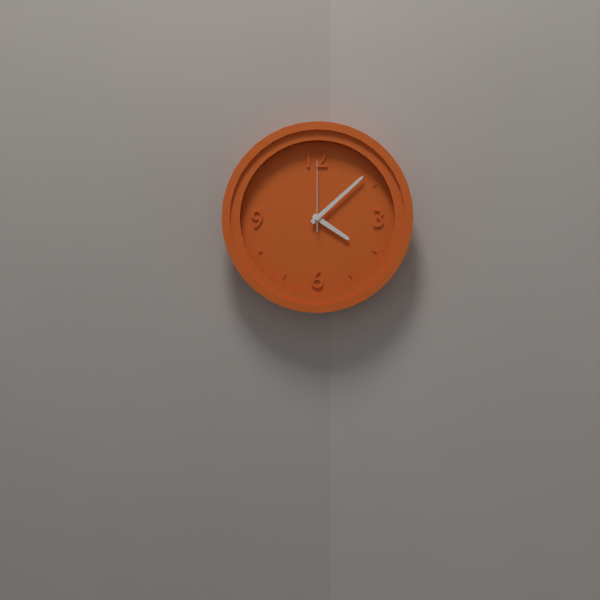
4:08:00
